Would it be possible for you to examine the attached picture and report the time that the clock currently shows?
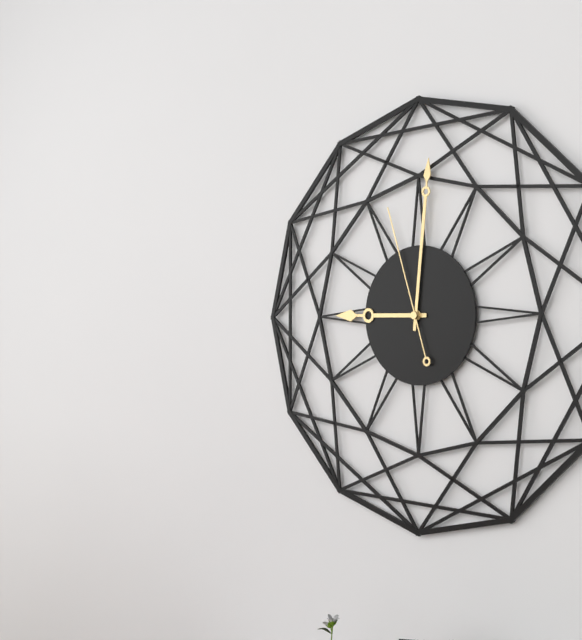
9:01:57
